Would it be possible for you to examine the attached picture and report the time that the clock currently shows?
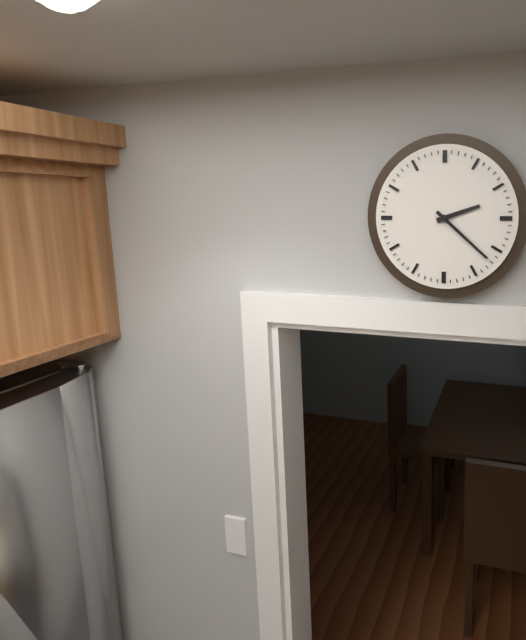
2:22
